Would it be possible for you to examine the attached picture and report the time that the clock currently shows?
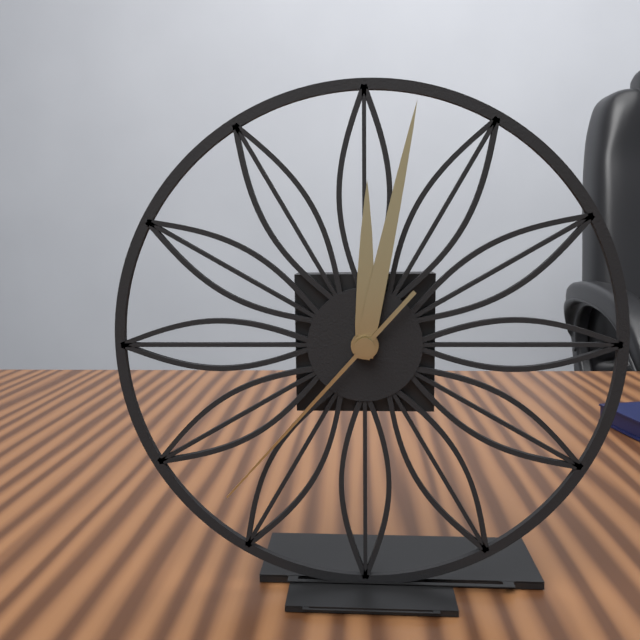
12:02:37
